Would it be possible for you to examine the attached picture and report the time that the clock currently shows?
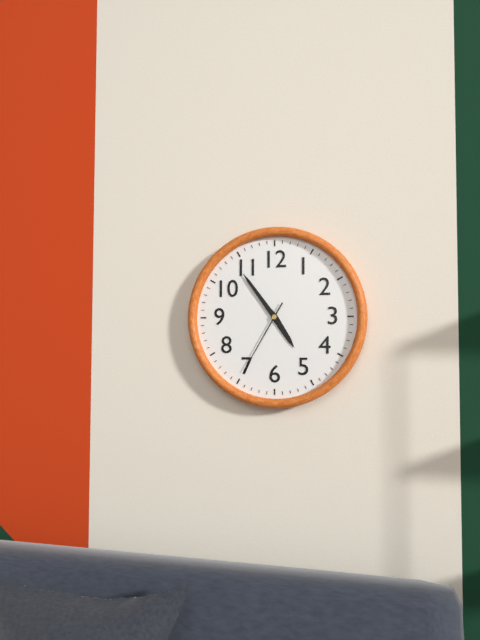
4:54:35
